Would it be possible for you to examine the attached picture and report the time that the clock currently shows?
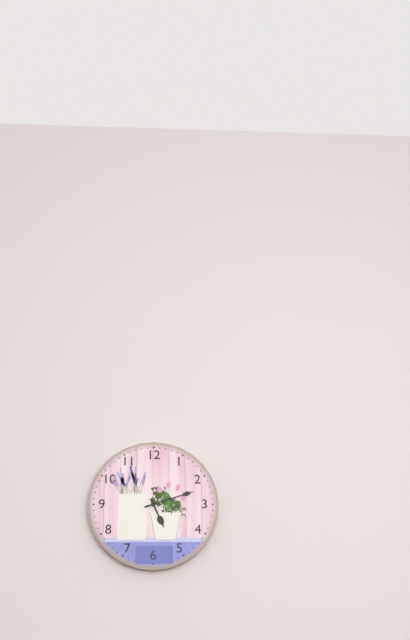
5:12
